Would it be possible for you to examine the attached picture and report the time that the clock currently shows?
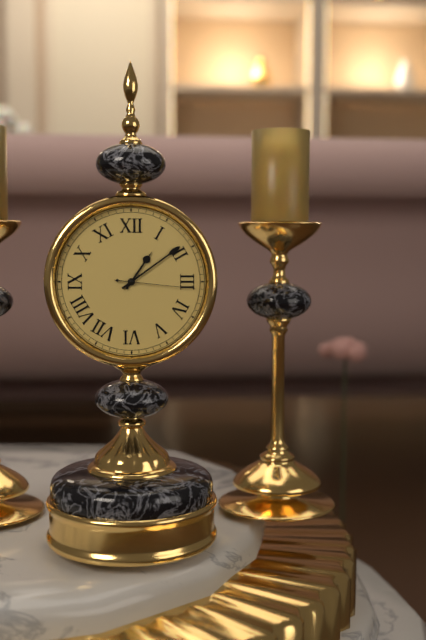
1:09:16
